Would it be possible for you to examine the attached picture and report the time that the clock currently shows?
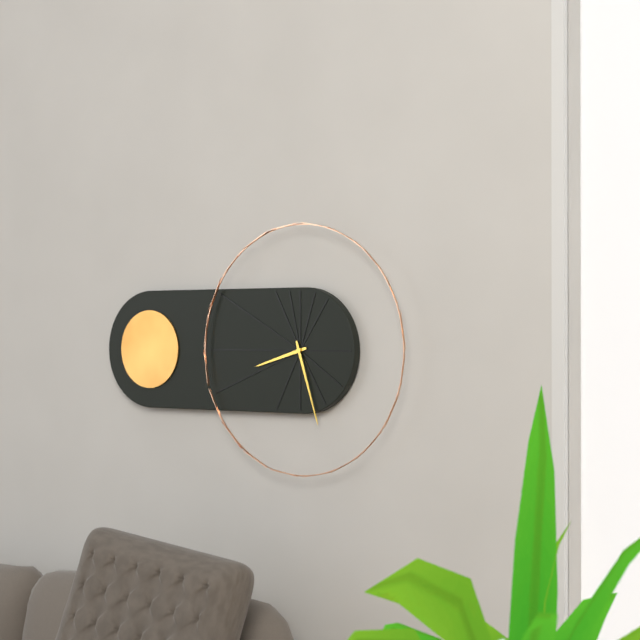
8:27
